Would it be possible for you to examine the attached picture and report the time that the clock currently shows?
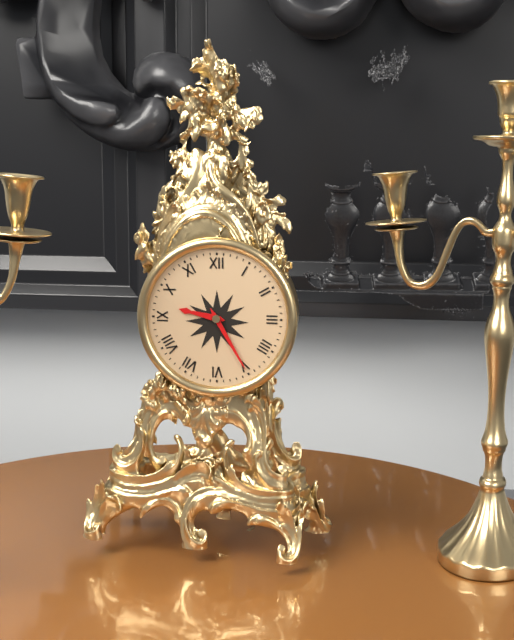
9:25
